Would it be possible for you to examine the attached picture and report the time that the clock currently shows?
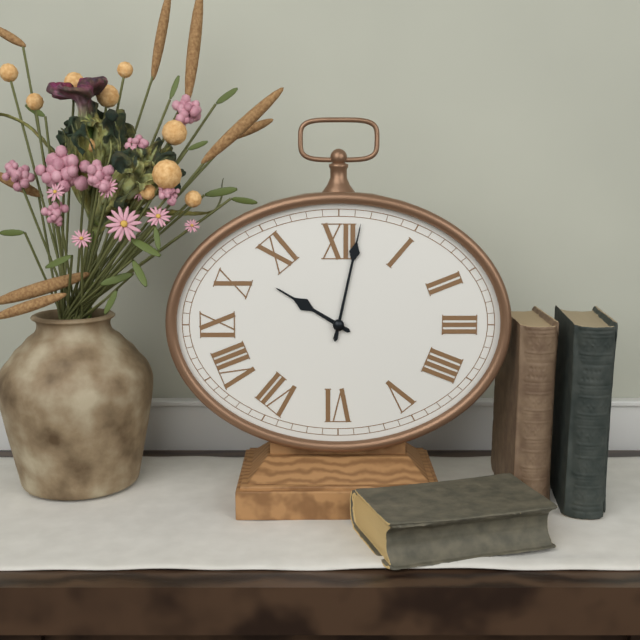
10:02
